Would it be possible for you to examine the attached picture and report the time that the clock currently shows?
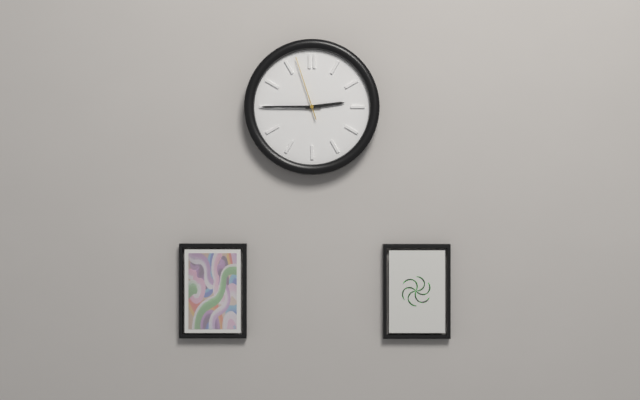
2:45:57
